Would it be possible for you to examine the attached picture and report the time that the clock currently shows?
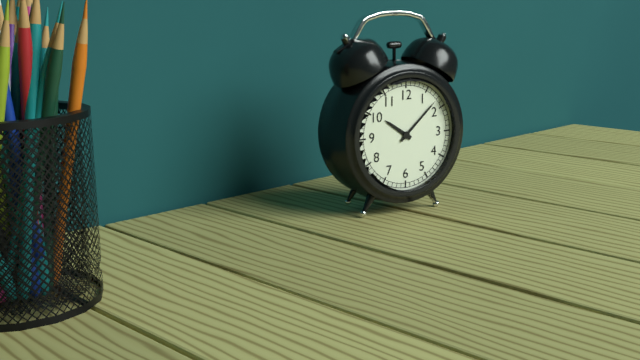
10:08
